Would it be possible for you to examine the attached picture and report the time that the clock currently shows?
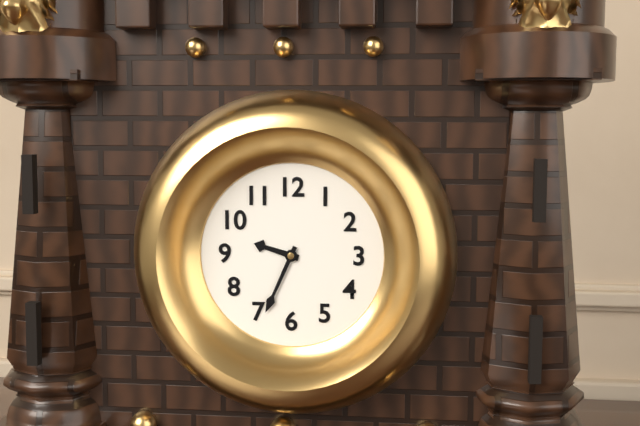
9:34
